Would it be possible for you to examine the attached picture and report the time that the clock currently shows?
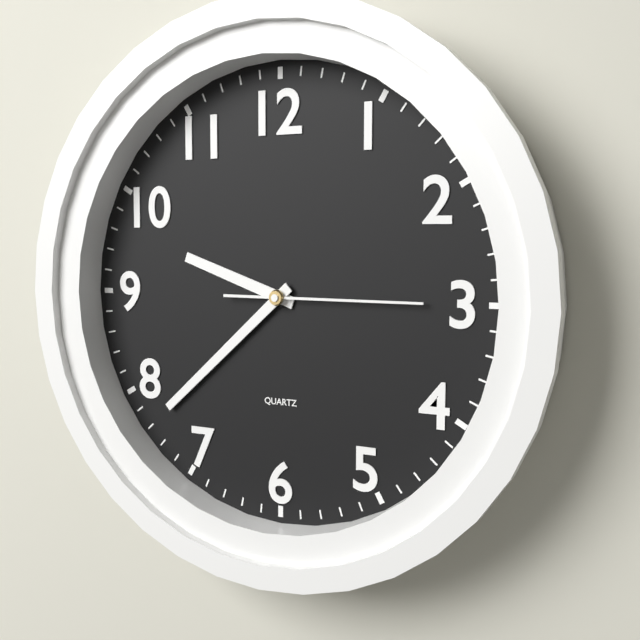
9:38:15
